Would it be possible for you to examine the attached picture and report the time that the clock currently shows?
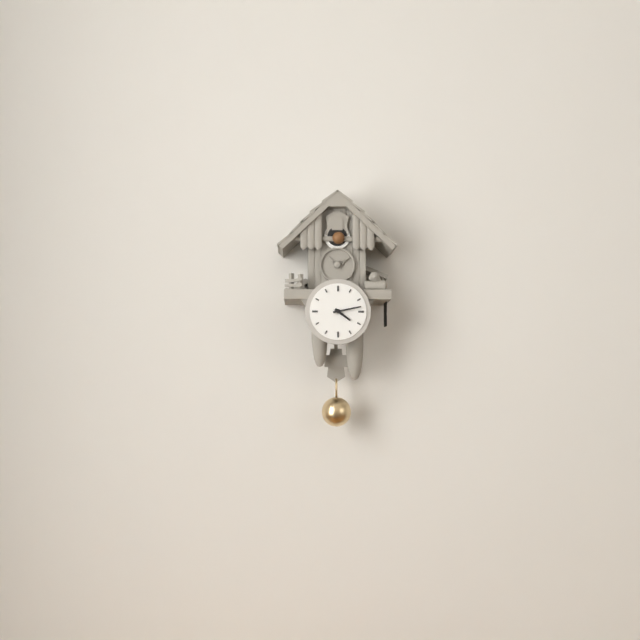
4:13
